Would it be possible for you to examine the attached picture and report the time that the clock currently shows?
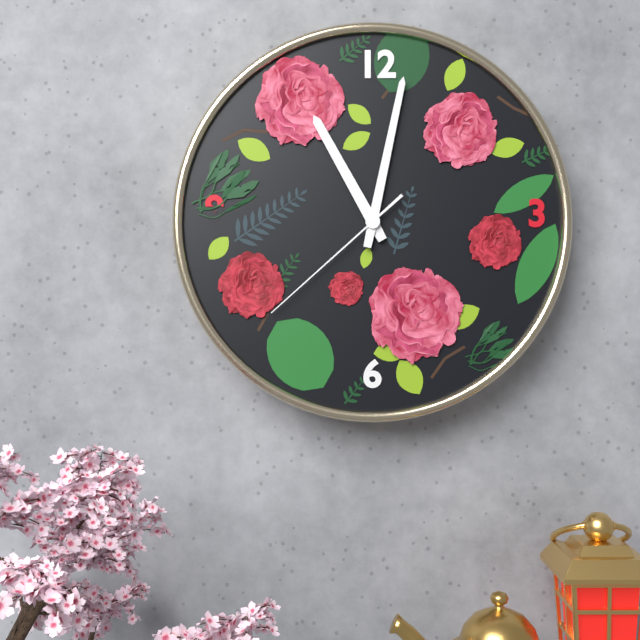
11:02:38
